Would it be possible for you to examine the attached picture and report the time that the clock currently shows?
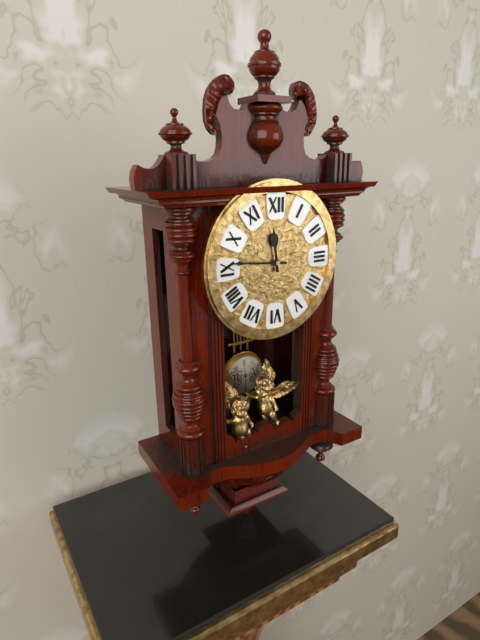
11:46
